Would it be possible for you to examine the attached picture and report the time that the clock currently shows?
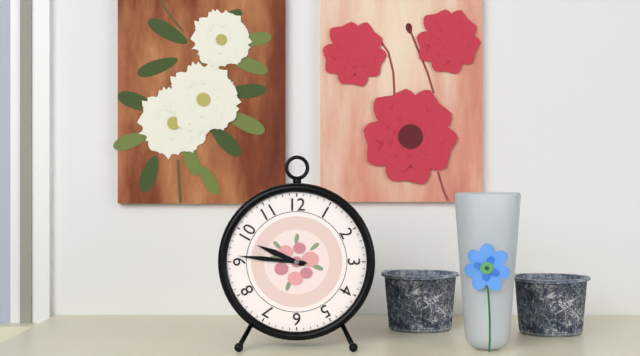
9:46
